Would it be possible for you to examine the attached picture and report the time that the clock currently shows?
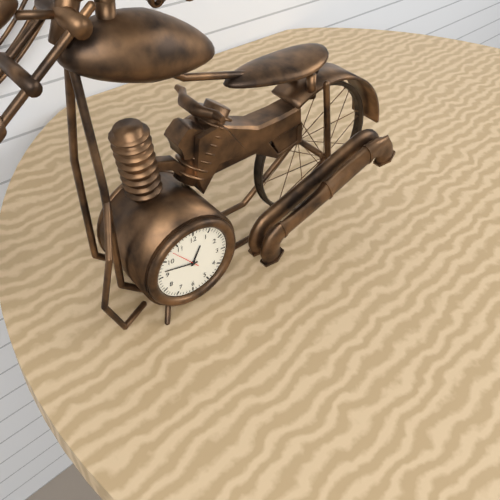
12:47
